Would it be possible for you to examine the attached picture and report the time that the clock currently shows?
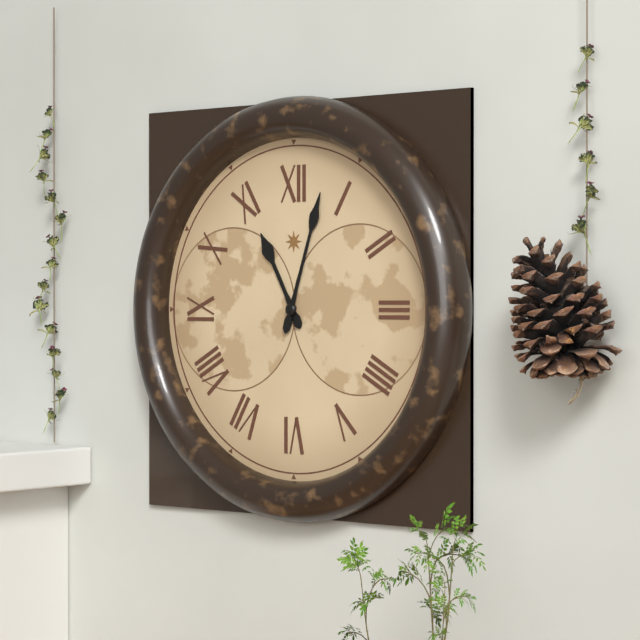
11:03
